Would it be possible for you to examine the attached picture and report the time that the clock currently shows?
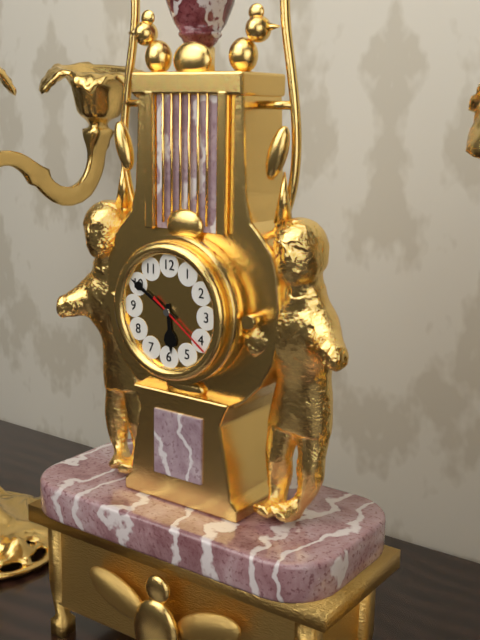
5:50:21
